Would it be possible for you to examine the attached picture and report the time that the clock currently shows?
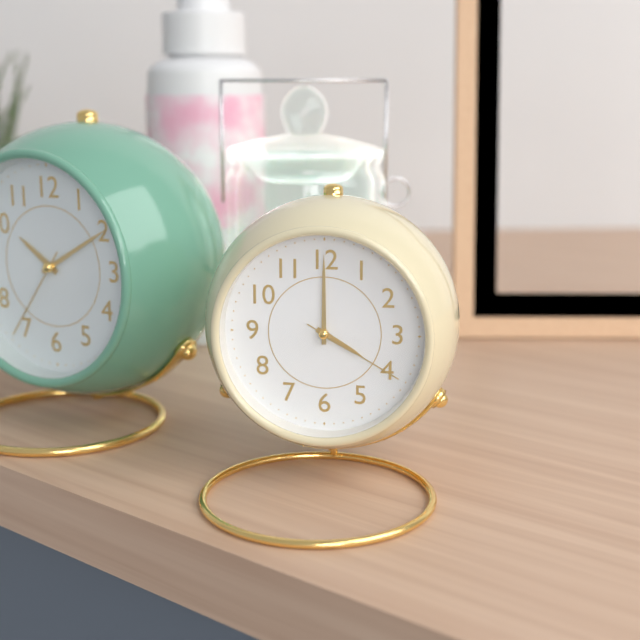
4:00:20
